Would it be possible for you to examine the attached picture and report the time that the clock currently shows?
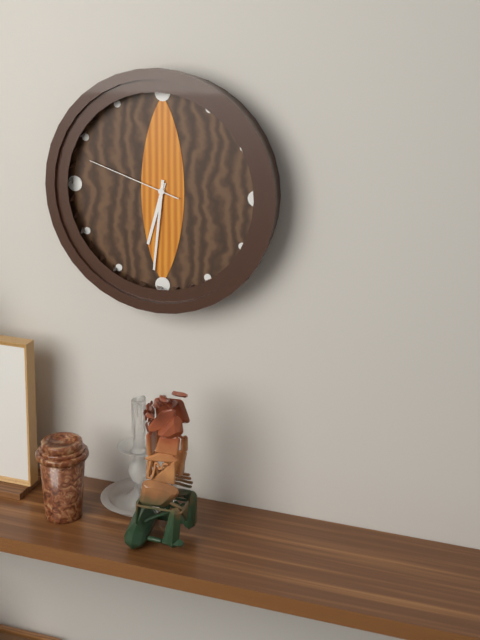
6:31:48
